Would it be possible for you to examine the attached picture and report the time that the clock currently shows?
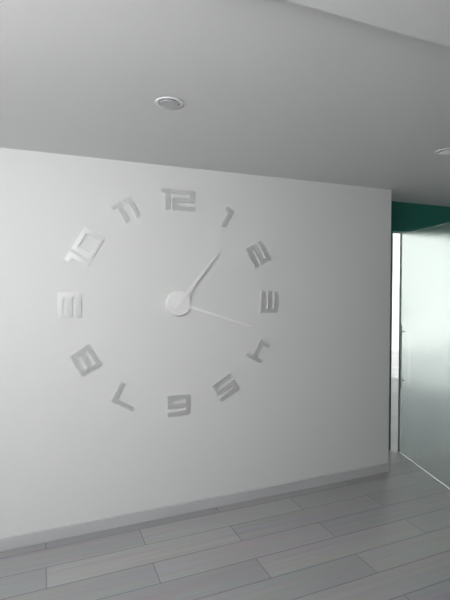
1:18
